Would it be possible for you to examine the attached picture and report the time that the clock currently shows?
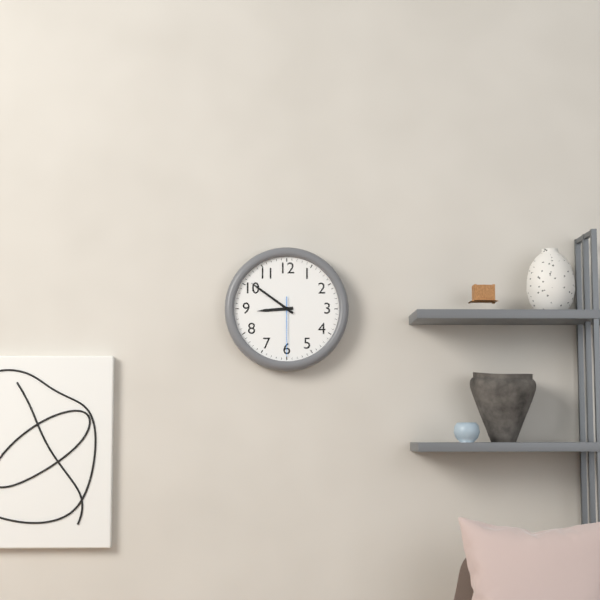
8:51:30
